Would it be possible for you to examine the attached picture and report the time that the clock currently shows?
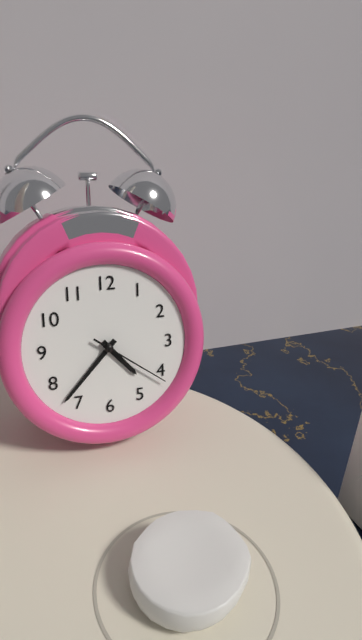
4:37:21
